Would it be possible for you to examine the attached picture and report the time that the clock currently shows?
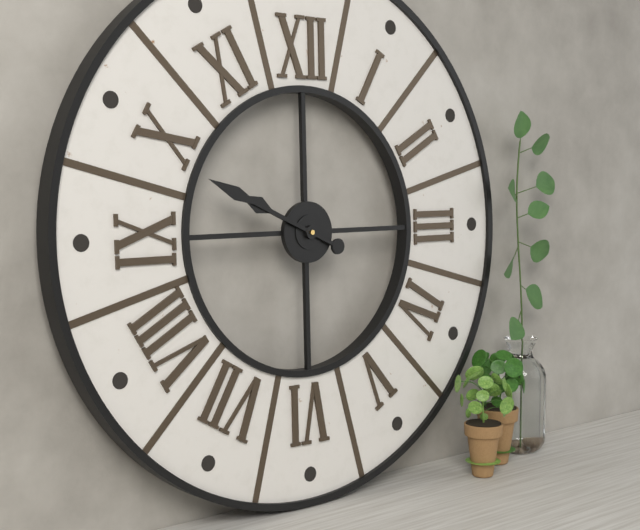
9:49
